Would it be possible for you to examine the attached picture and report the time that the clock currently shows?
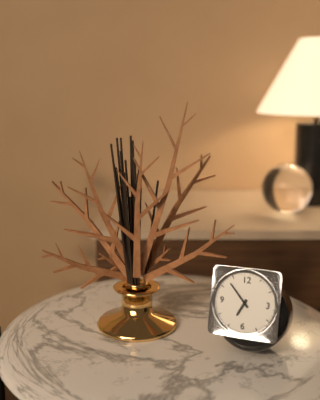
6:53
